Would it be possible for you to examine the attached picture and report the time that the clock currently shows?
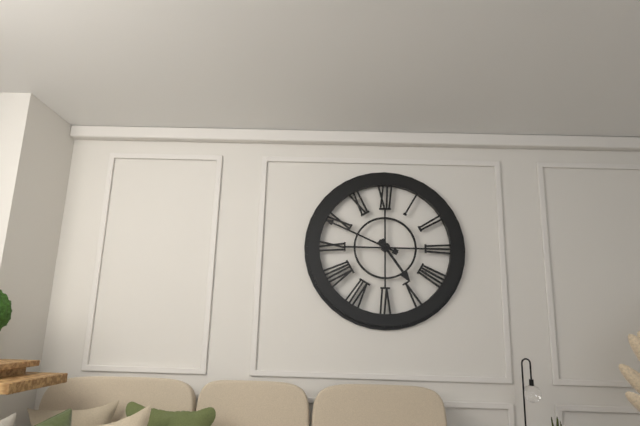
4:49
